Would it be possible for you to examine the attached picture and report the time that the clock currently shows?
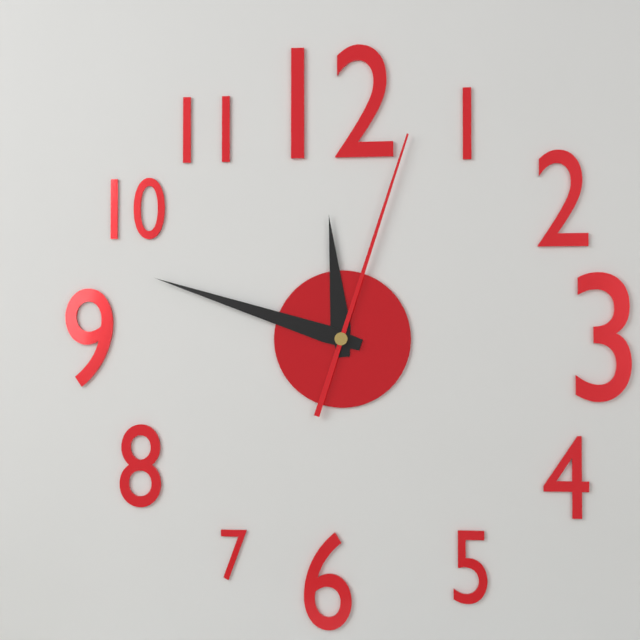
11:48:03
